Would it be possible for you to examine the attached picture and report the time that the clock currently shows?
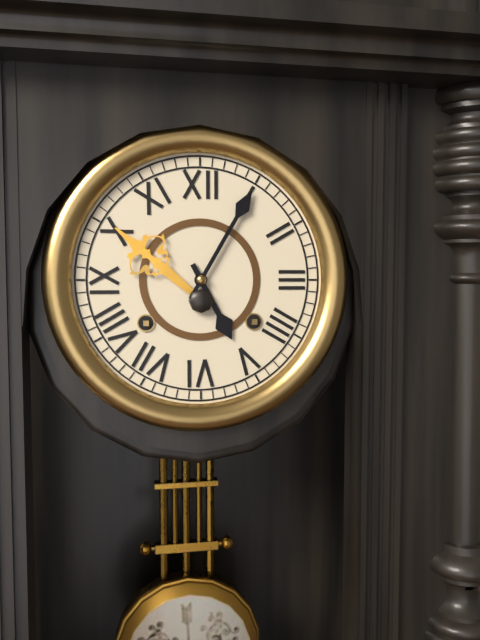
5:05
